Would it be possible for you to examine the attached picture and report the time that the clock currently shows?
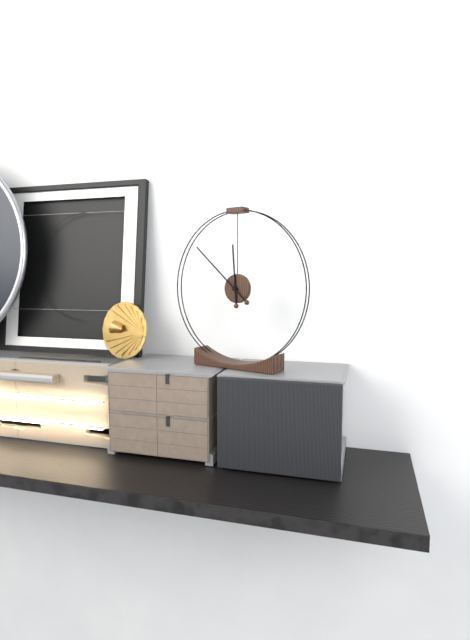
11:52
